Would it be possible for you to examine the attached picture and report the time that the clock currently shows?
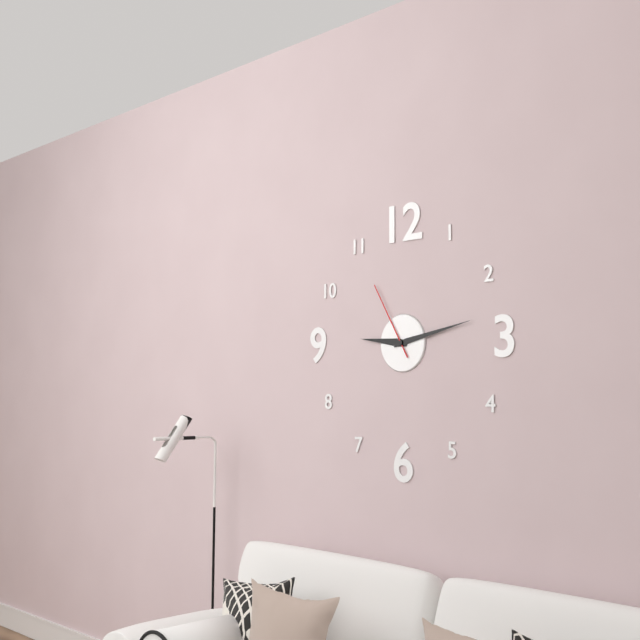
9:13:55
